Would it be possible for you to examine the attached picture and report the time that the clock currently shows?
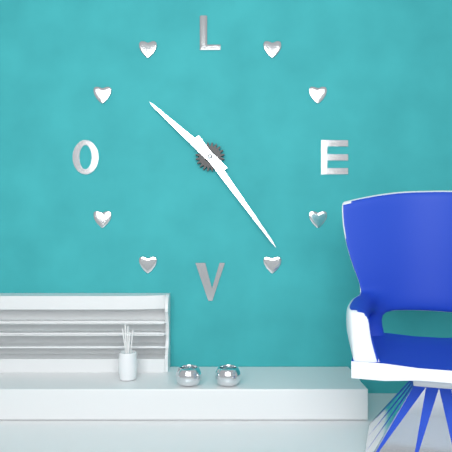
10:24
